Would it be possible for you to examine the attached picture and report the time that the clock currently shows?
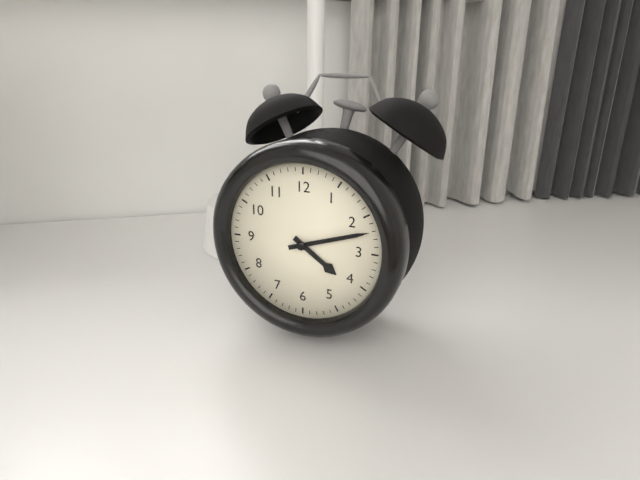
4:12
